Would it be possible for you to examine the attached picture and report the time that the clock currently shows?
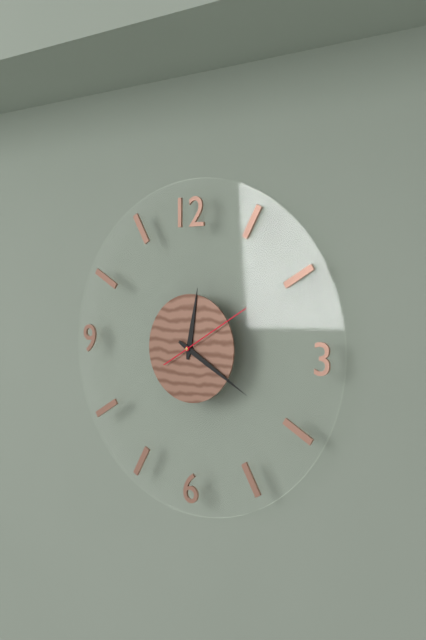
12:20:10
